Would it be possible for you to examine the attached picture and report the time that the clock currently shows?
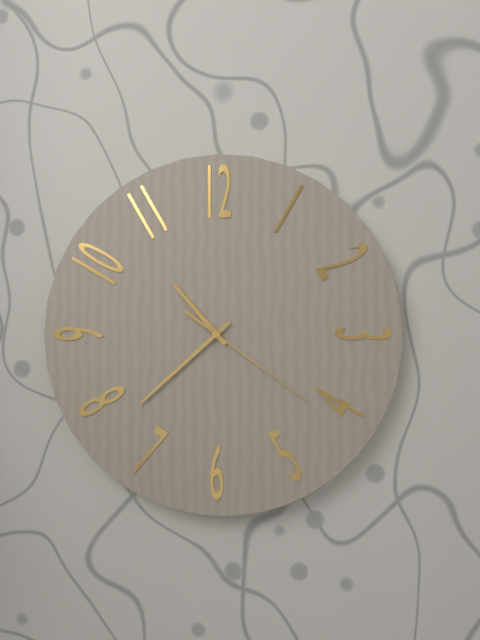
10:38:21
